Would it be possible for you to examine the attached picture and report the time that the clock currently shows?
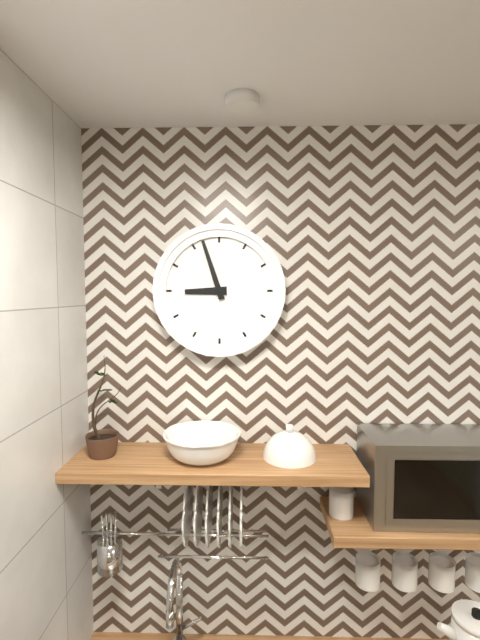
8:57
